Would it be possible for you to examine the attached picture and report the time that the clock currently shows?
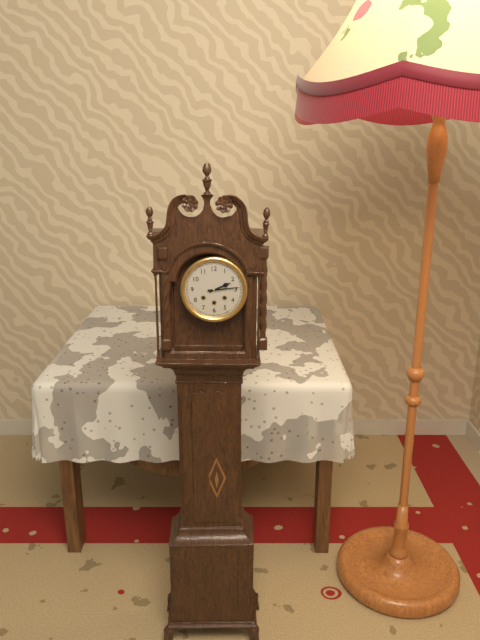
2:14
